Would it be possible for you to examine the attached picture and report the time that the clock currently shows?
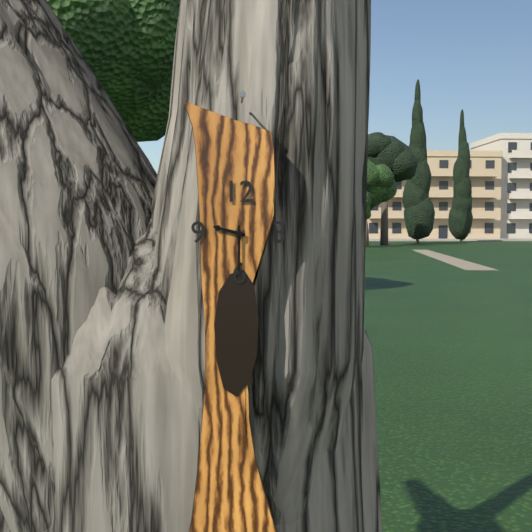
9:30
